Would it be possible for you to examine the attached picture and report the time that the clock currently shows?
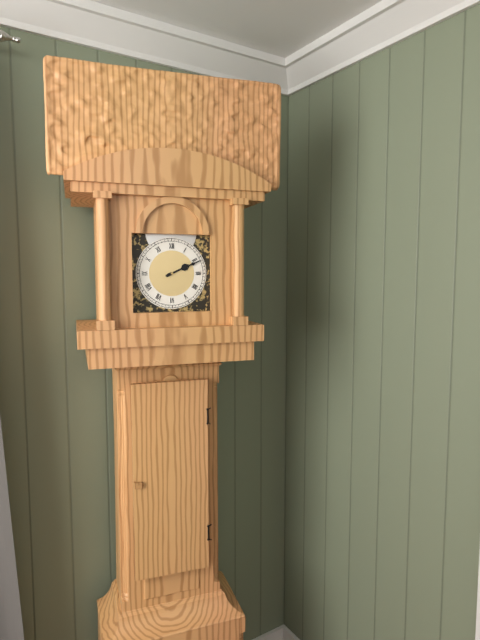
2:11
